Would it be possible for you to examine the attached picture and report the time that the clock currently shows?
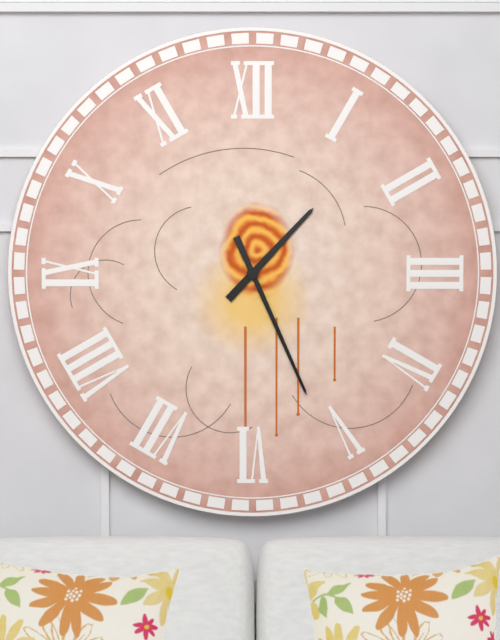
1:26
